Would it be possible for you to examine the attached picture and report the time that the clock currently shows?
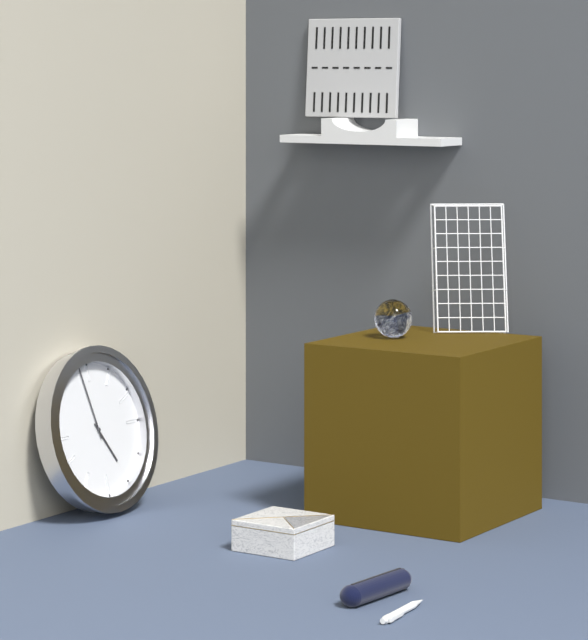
4:58
